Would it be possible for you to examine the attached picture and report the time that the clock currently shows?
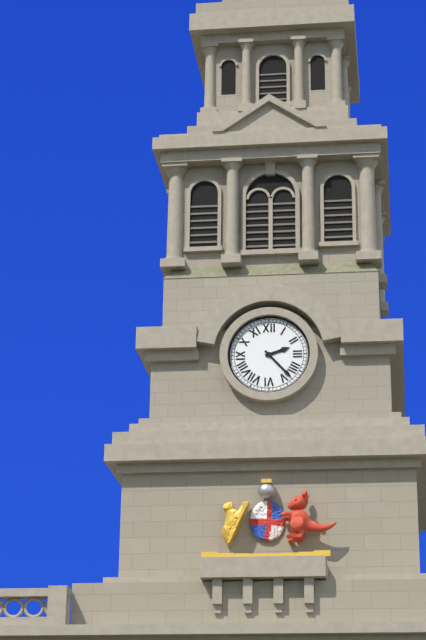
2:23
